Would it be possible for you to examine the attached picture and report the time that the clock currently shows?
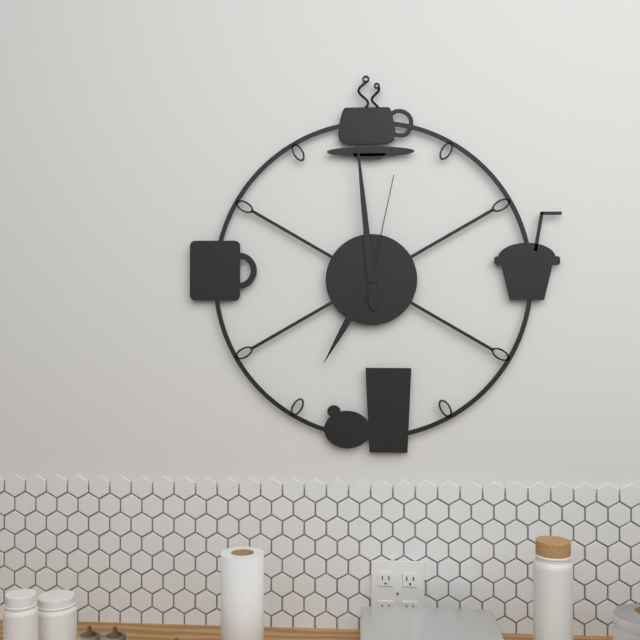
6:59:02
